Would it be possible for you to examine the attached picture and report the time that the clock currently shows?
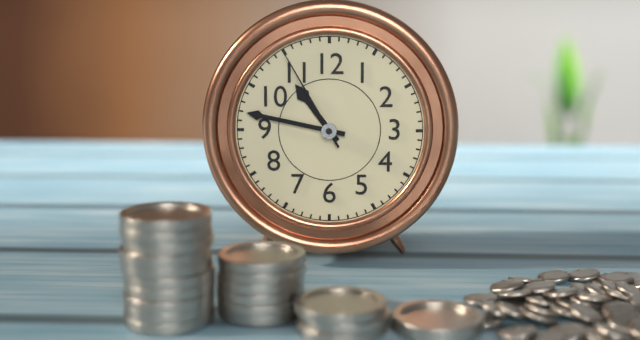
10:47:55
